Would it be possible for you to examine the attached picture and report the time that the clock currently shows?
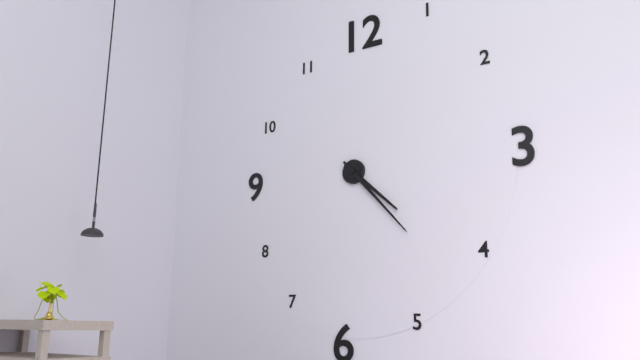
4:23
